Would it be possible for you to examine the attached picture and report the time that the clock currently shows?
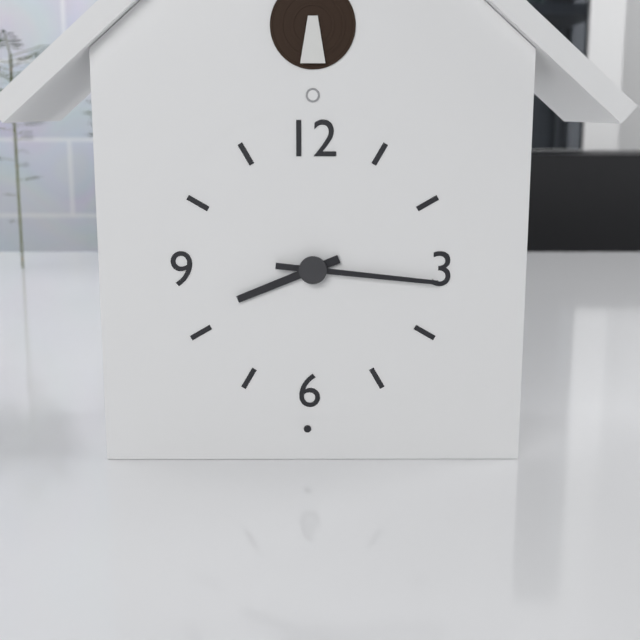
8:16
